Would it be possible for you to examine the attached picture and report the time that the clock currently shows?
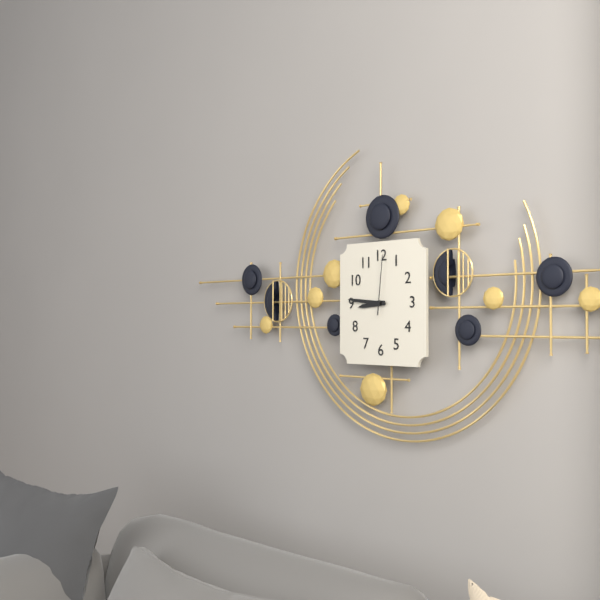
8:46:01
